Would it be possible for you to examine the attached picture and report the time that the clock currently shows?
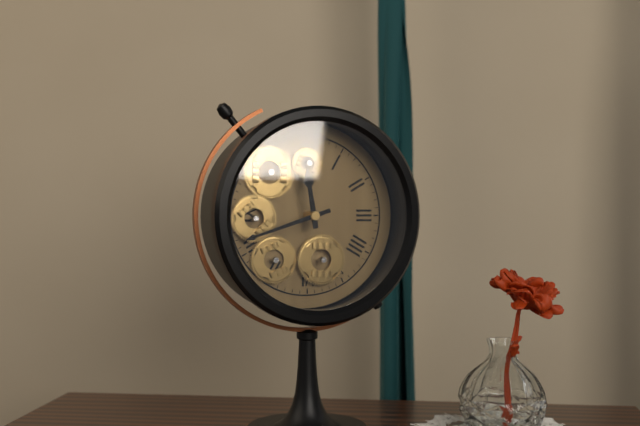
11:42
